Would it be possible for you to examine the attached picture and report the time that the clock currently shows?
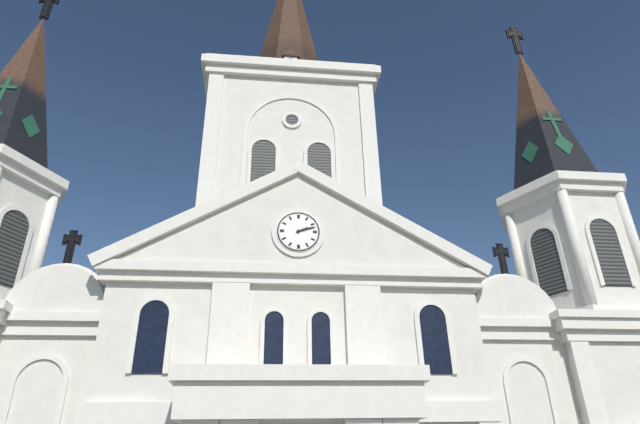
2:12
